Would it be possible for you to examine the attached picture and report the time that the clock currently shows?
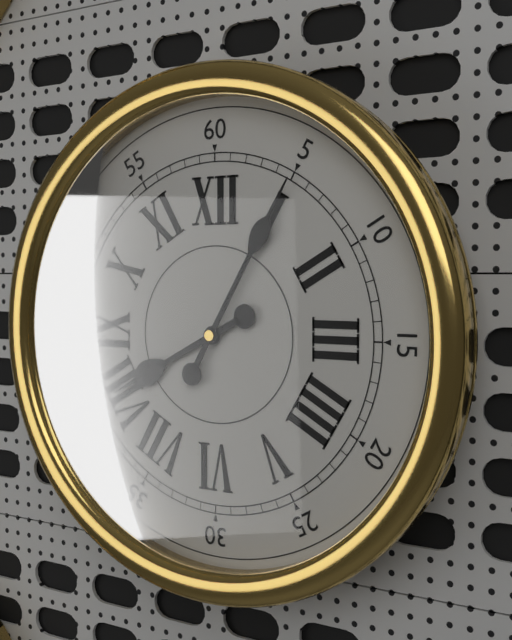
8:05
